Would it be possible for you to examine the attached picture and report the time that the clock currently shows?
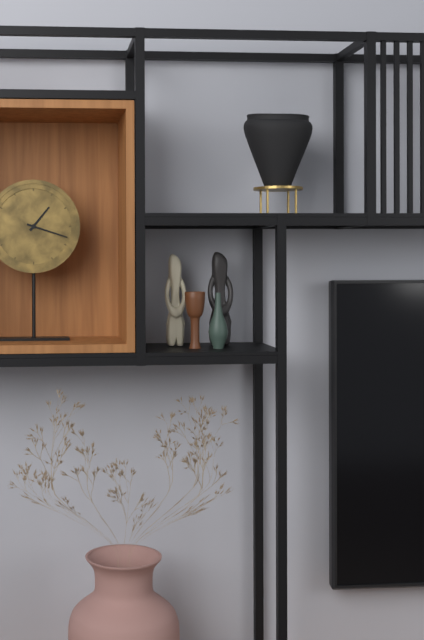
1:18
